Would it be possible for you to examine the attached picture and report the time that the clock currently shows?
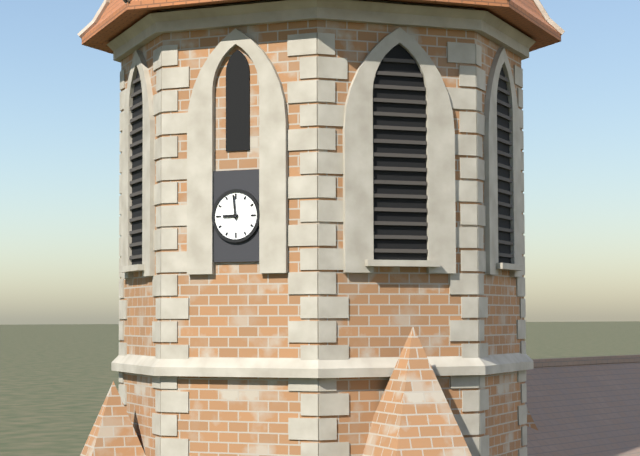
8:59
